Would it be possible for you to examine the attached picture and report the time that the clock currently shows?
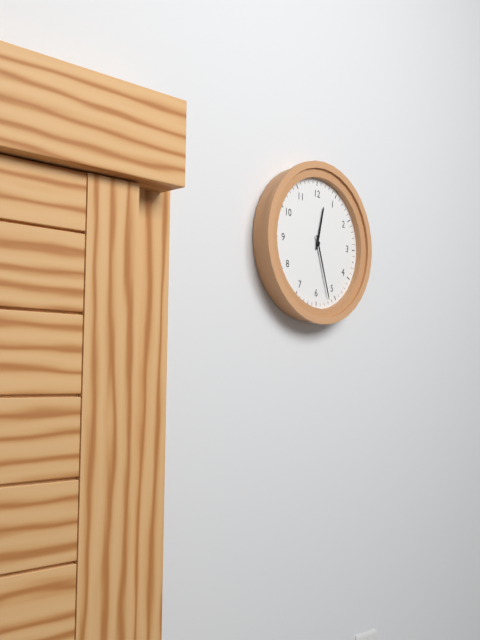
12:27
